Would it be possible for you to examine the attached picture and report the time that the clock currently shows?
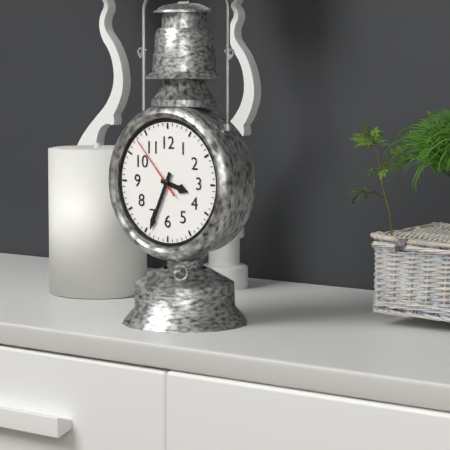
3:34:53
